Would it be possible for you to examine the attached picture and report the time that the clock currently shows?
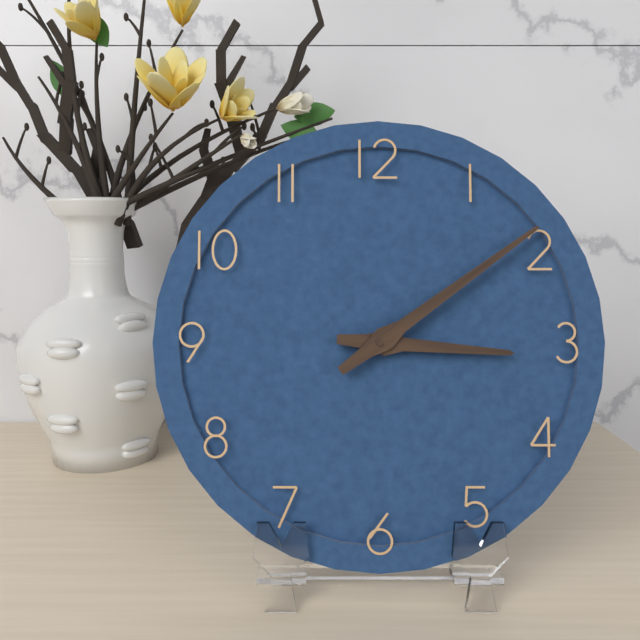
3:09
